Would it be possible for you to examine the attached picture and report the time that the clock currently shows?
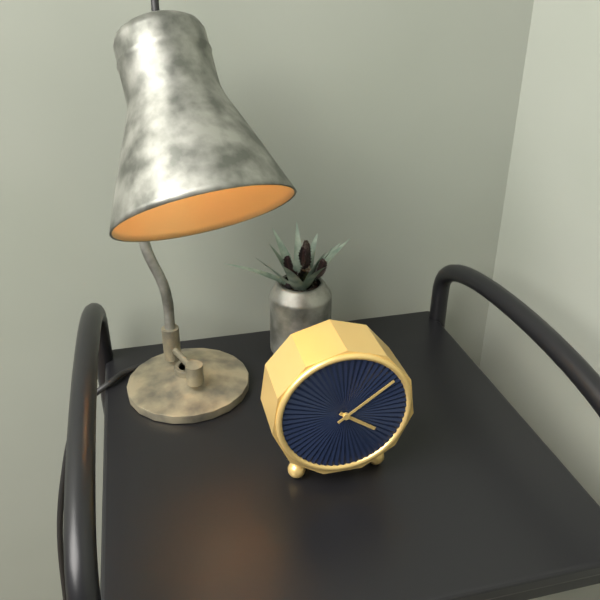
4:09
